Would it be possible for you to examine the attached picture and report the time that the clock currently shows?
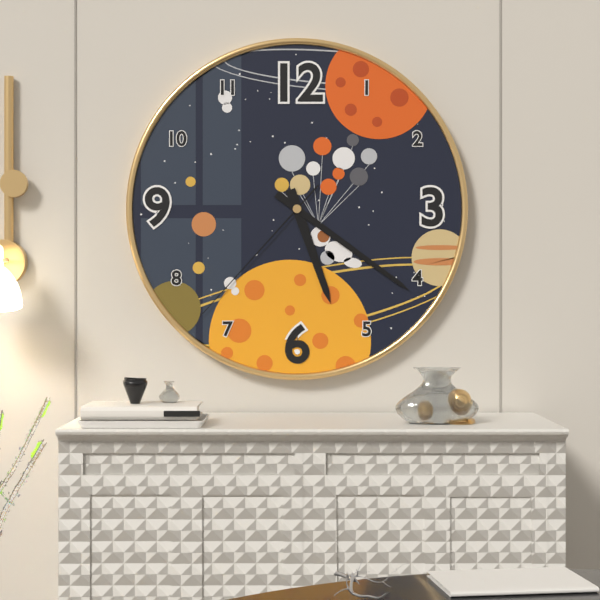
5:21:37
